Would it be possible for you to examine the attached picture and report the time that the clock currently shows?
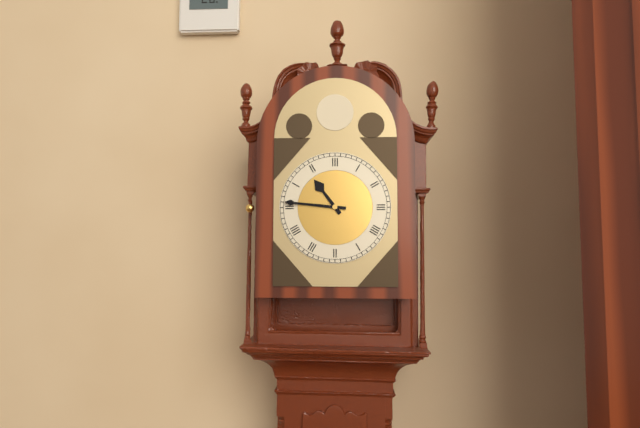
10:46
